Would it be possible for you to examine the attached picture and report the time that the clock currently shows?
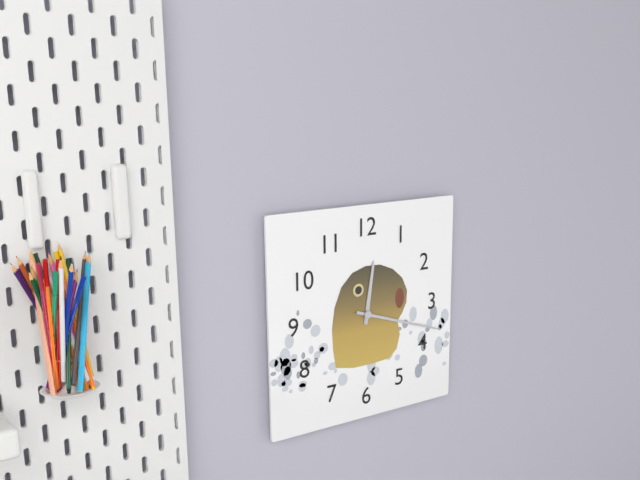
12:18
